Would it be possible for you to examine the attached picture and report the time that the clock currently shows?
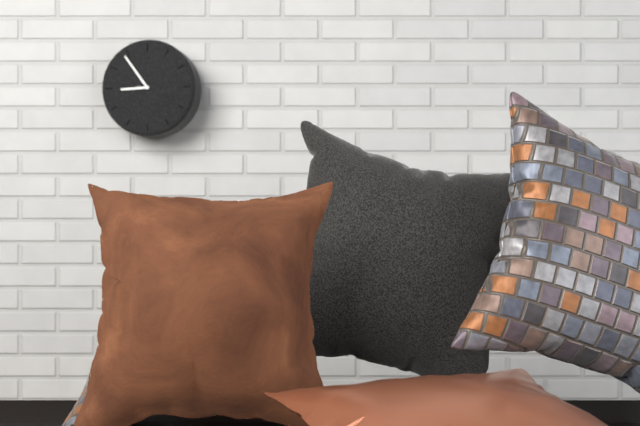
8:54
